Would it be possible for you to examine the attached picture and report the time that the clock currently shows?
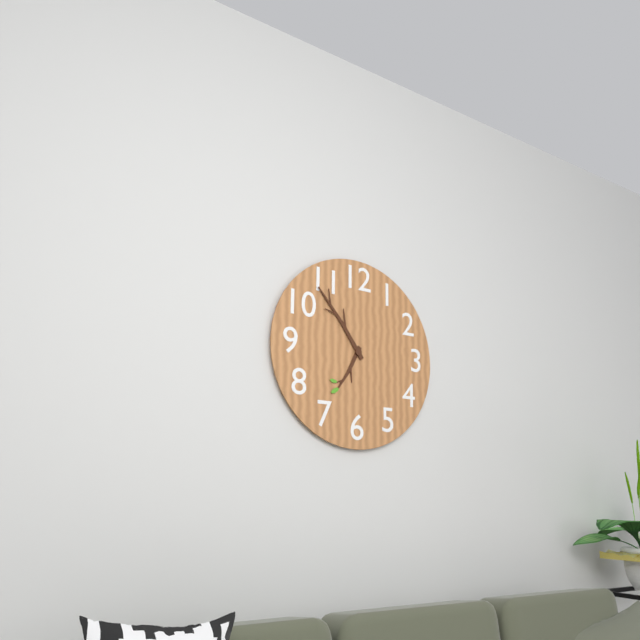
6:54
